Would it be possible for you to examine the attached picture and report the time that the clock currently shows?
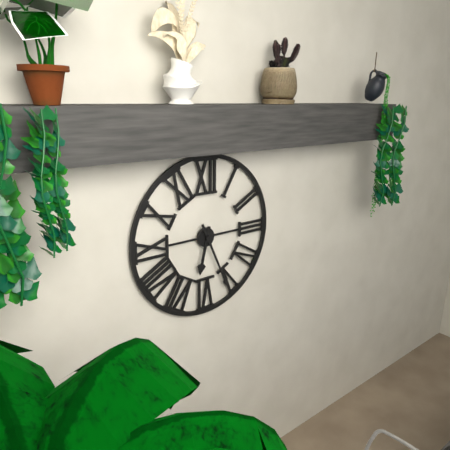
6:26
